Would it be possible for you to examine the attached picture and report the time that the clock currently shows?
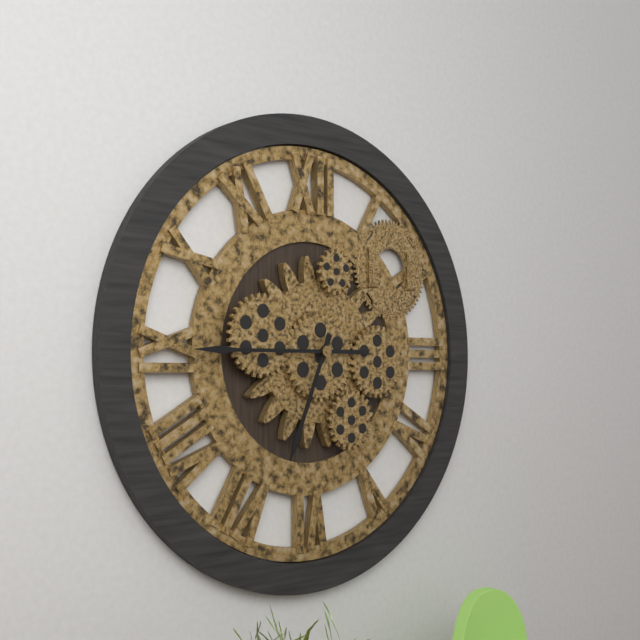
6:45
